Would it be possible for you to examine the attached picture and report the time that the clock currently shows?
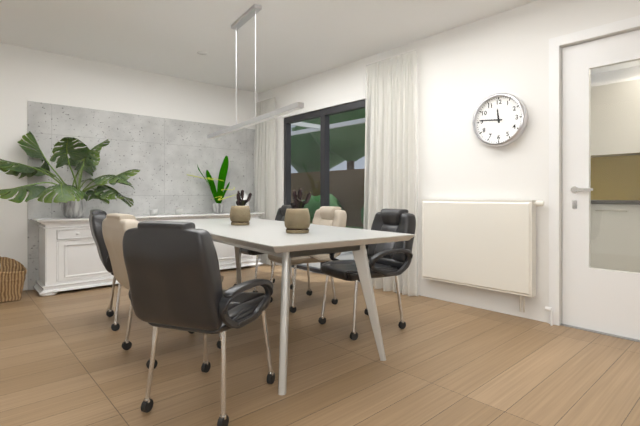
11:46
